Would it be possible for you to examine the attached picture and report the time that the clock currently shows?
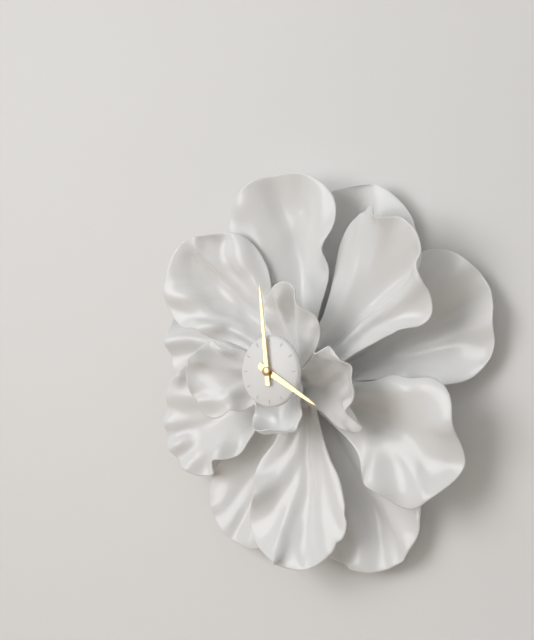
3:59
